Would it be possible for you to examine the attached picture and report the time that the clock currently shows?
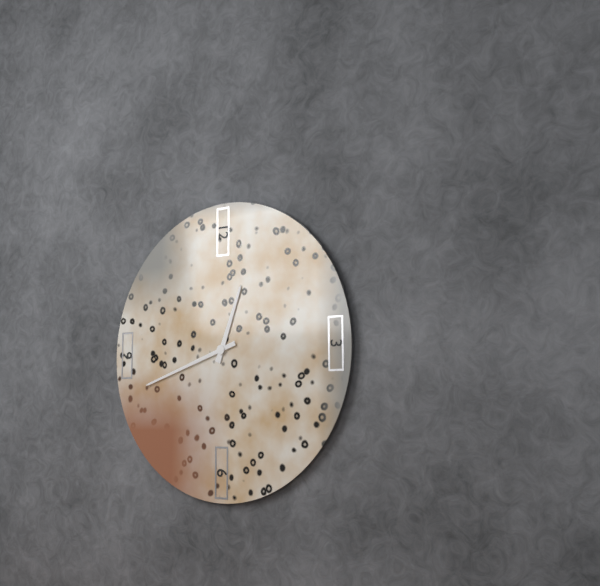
12:42
